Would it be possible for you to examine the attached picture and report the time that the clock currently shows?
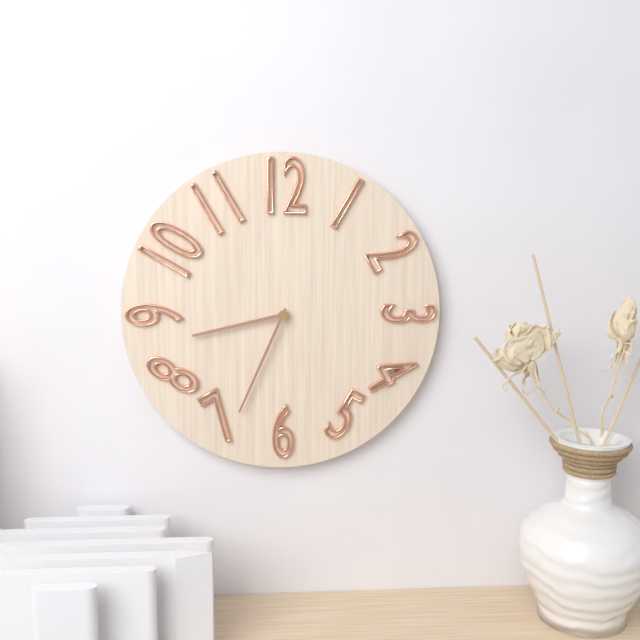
8:34
